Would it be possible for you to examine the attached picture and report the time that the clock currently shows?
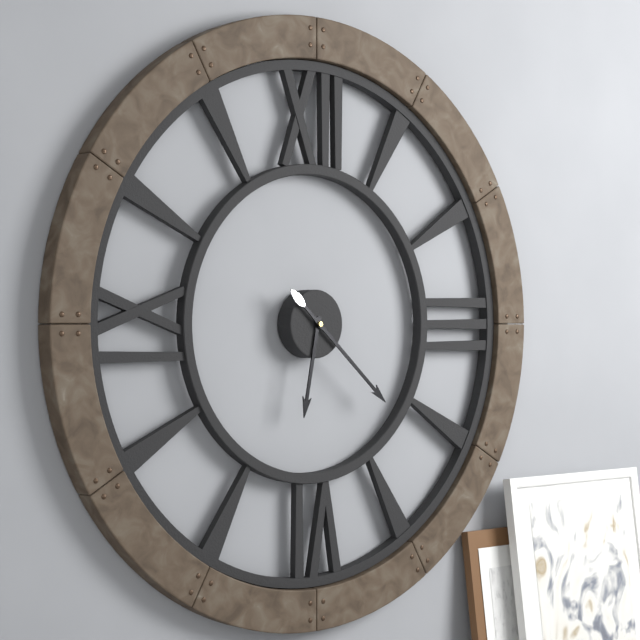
6:22
